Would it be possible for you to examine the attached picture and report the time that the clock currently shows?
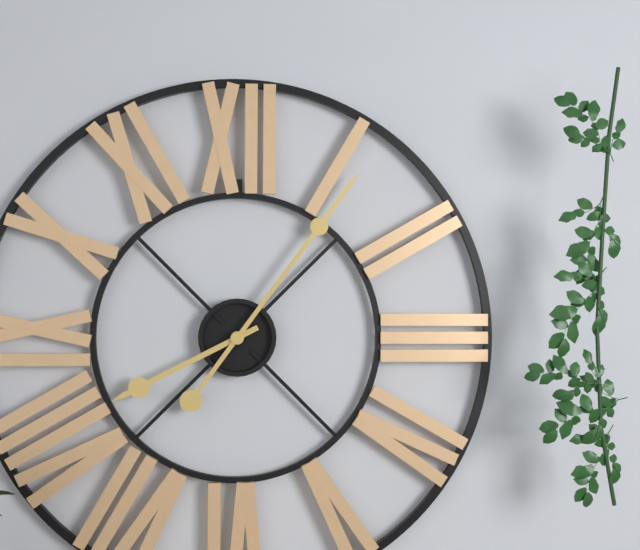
8:06
